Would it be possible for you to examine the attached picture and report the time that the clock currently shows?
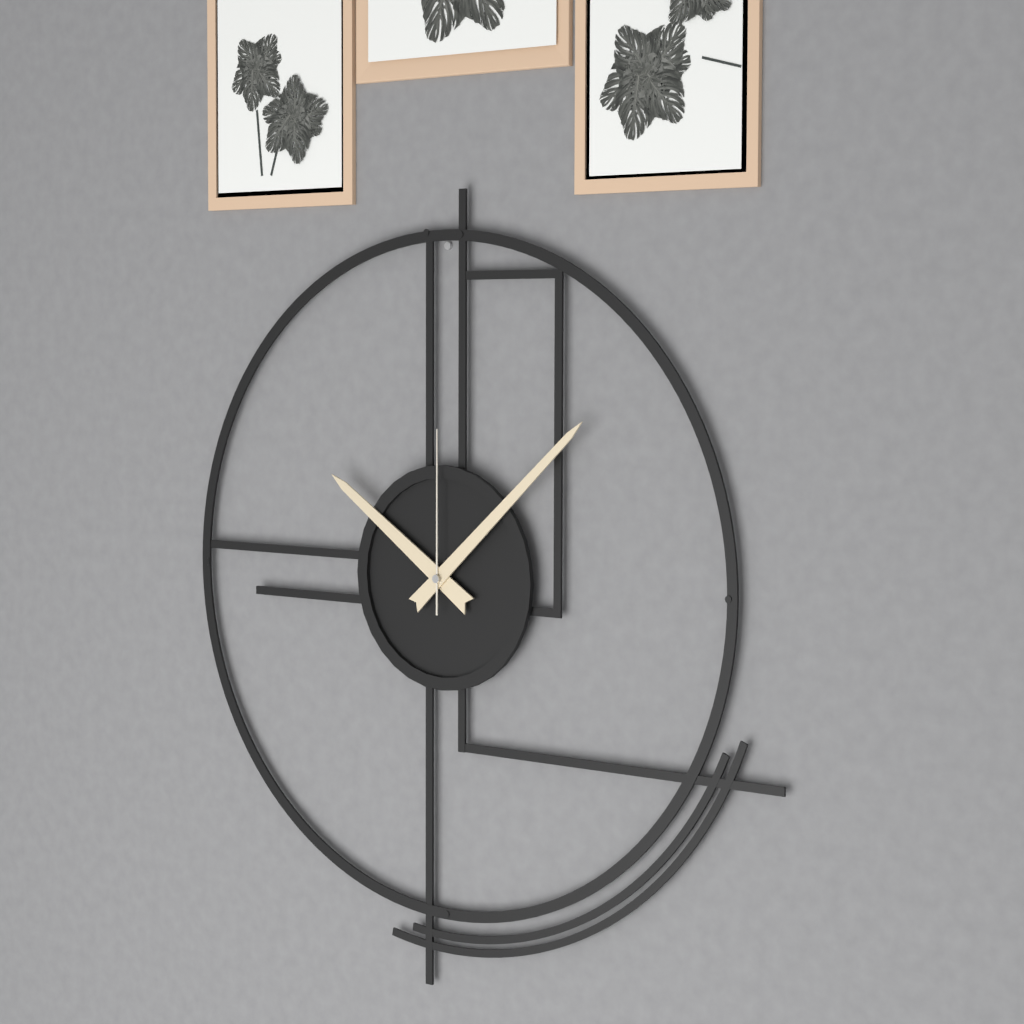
10:08:00
